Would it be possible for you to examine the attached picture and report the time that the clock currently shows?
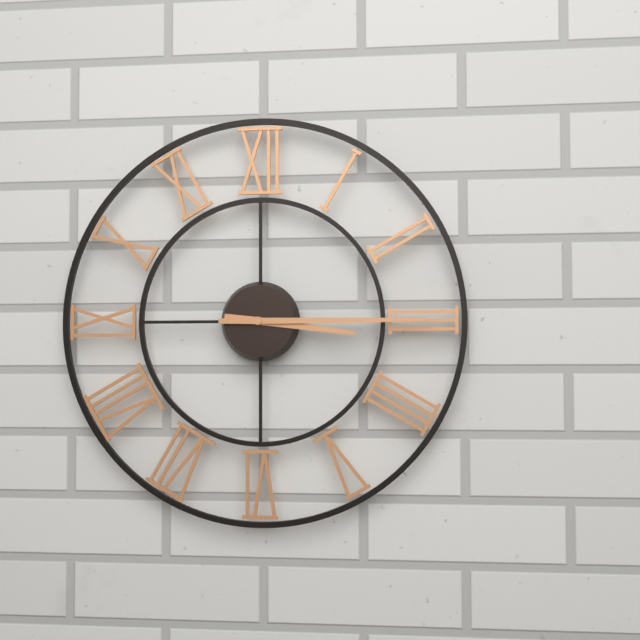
3:15
